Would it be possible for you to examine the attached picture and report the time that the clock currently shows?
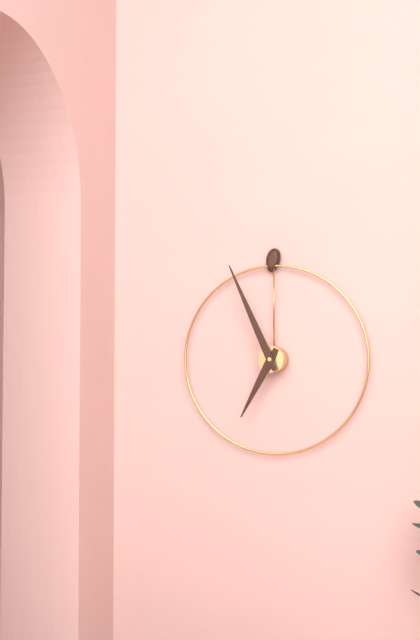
6:56
